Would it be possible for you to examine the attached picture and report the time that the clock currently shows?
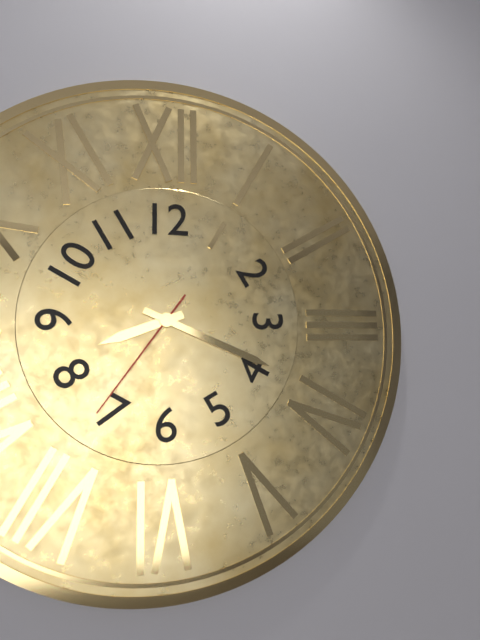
8:19:36
